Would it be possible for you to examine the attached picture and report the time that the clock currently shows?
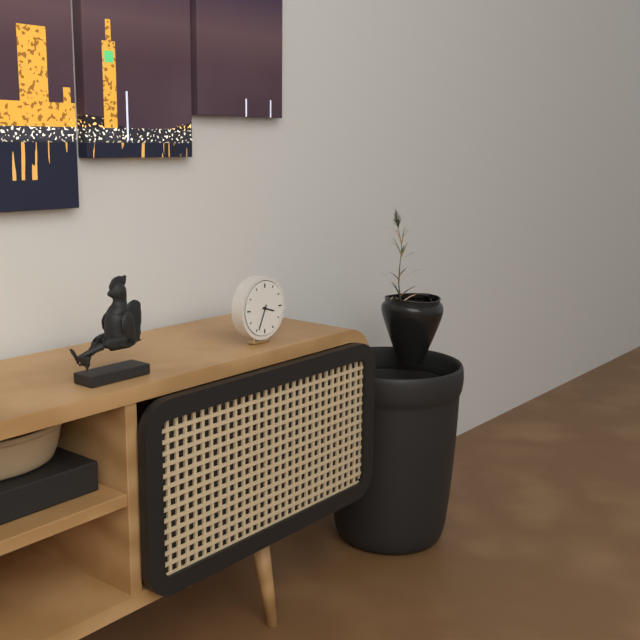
3:34
